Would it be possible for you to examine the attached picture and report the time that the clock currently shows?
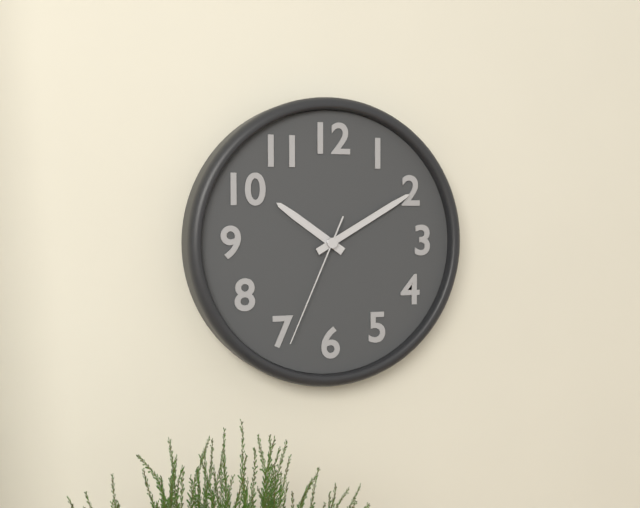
10:10:34
